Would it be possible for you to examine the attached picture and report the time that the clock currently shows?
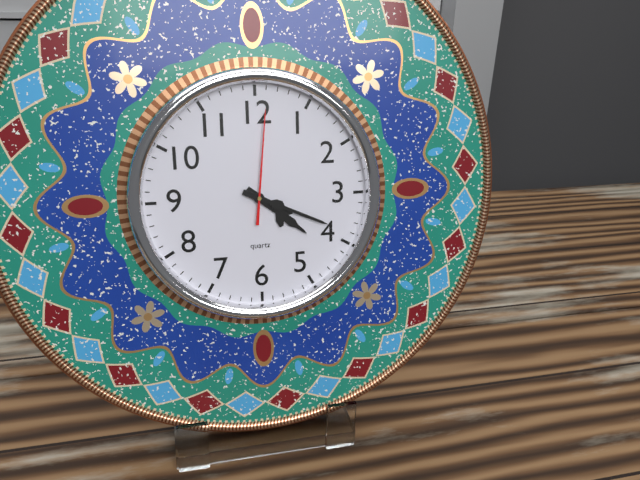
4:19:01
